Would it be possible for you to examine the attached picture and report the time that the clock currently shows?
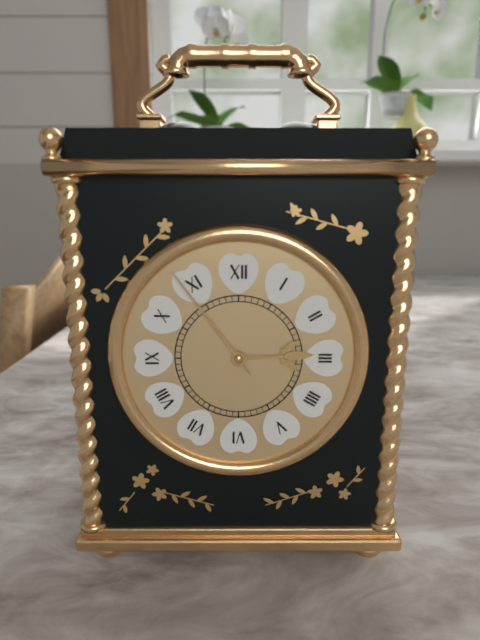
2:54
